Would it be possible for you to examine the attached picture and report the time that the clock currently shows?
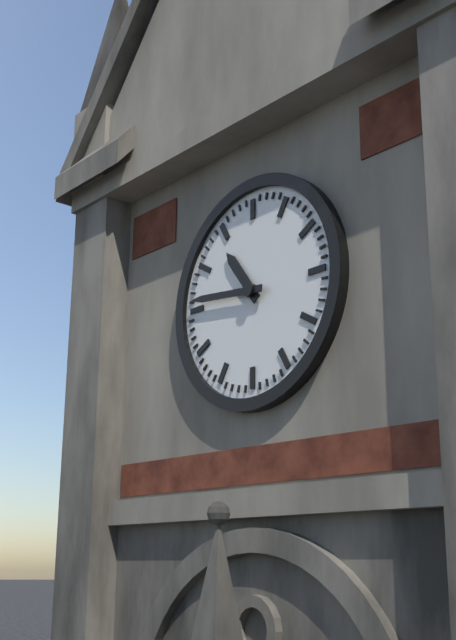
10:46
